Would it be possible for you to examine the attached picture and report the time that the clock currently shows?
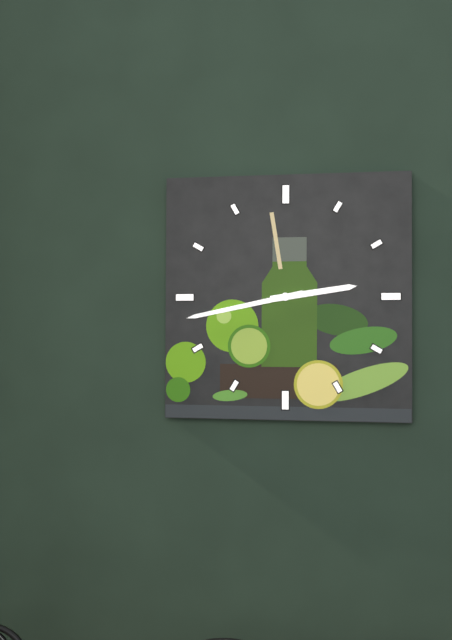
2:43
